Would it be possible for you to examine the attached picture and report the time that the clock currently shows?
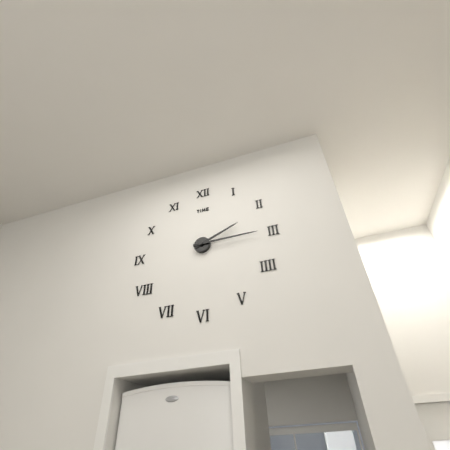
2:15
